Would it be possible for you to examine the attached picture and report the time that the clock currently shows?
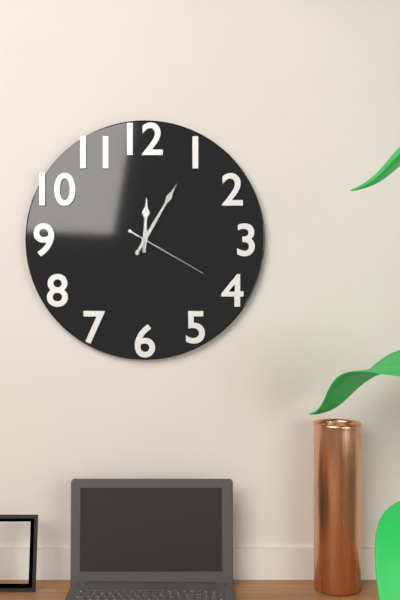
12:05:20
